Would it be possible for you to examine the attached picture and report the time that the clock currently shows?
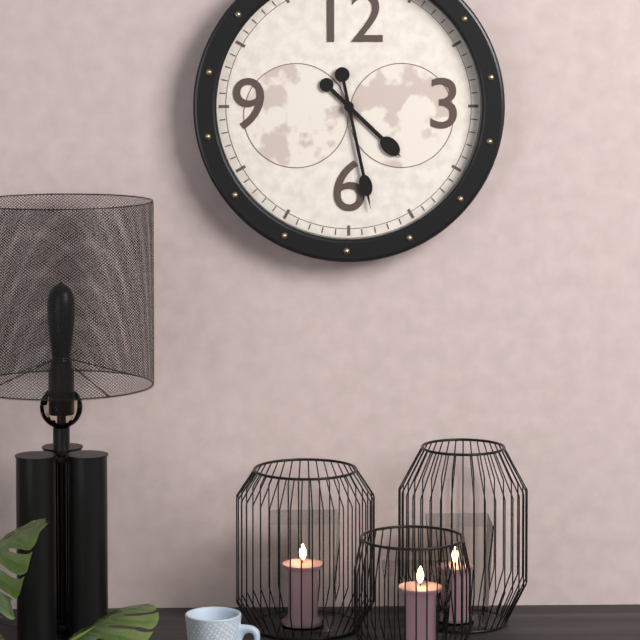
4:28
